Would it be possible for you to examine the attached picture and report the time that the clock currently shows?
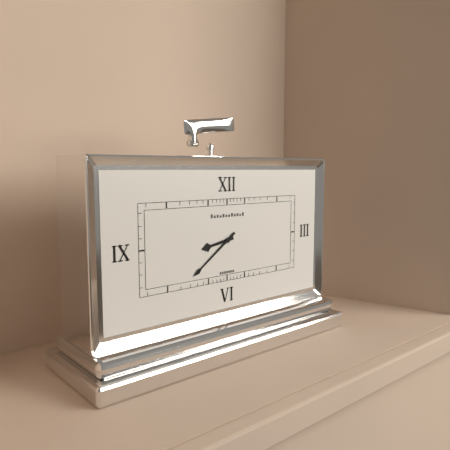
8:39
